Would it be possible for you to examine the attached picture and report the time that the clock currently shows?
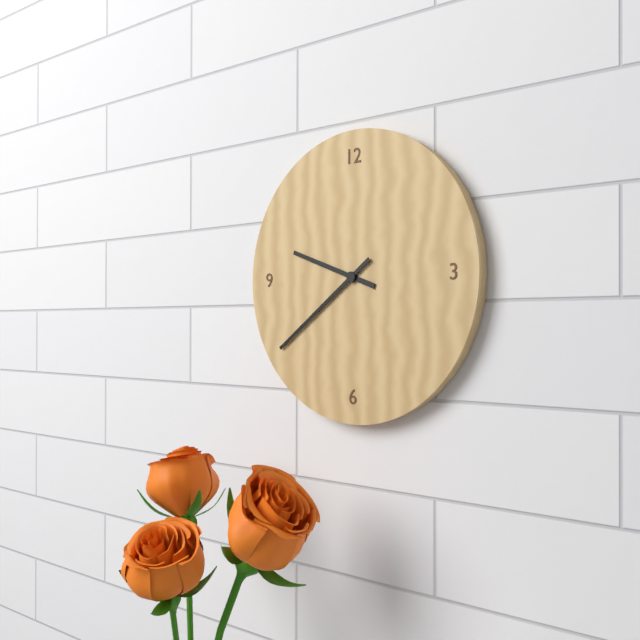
9:39
